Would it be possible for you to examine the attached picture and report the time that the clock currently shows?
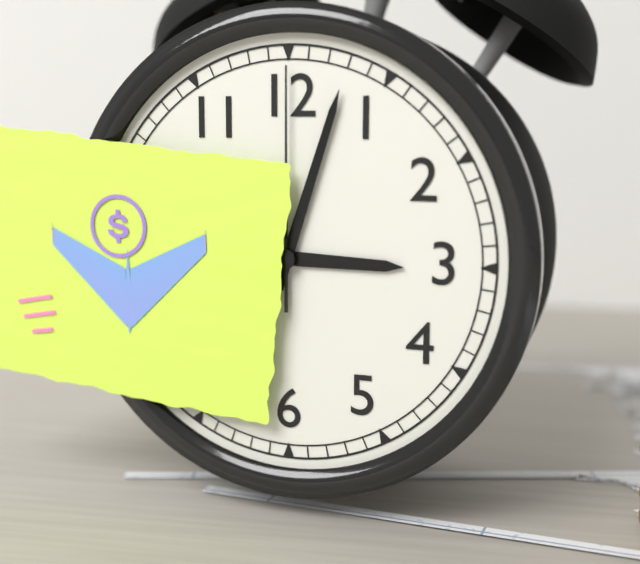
3:03:00
